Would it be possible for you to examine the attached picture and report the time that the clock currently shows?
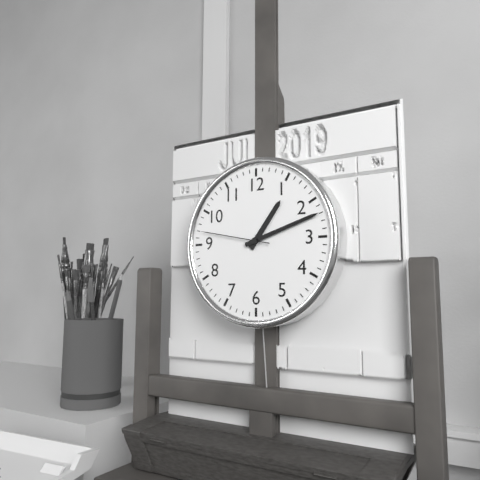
1:12:47
